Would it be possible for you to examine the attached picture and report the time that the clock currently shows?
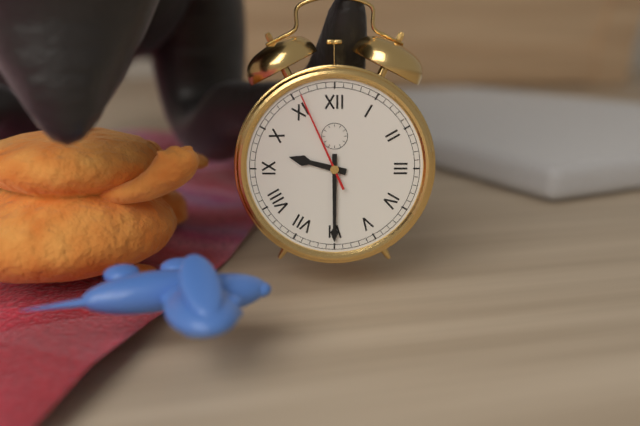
9:30:56
